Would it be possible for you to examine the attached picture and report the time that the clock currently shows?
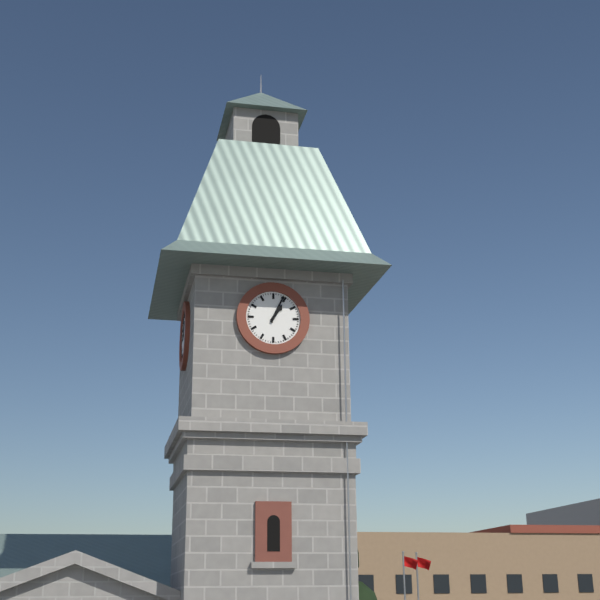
1:04
